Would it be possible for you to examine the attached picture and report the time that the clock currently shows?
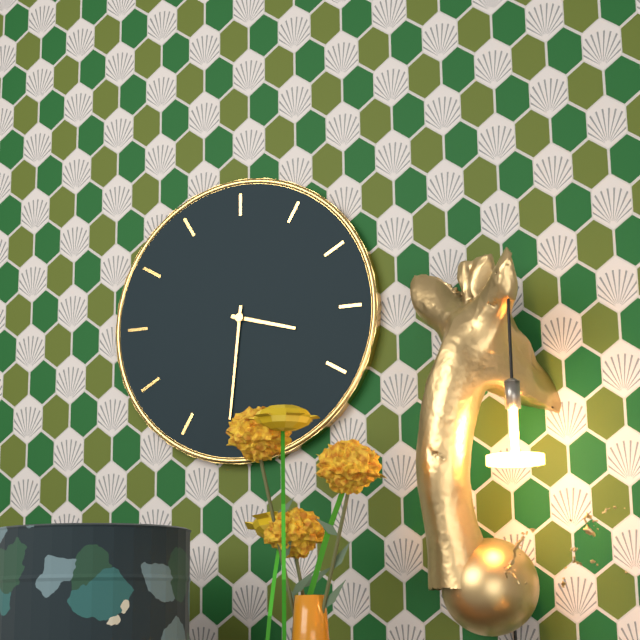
3:31
